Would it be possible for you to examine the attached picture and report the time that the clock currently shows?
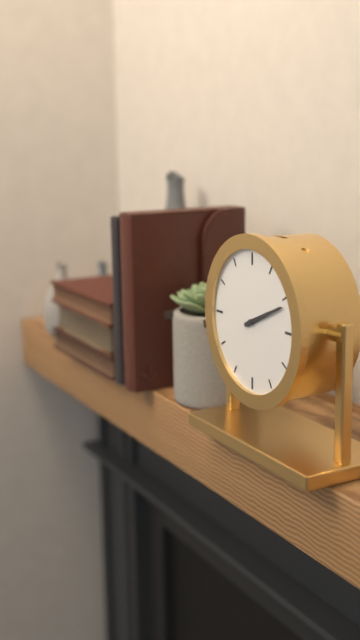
2:11
